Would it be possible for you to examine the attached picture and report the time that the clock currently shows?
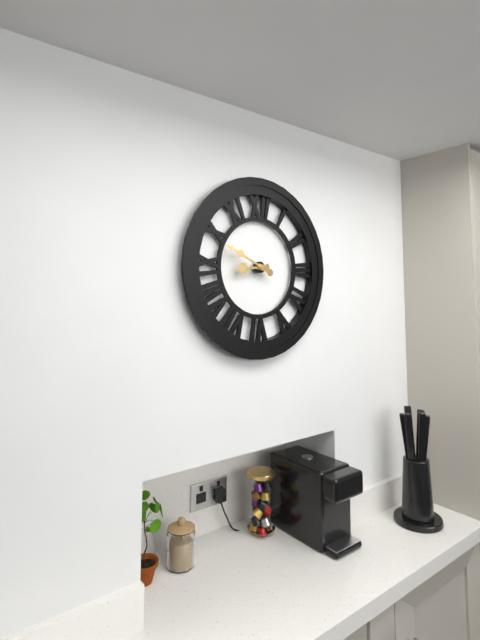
8:49
